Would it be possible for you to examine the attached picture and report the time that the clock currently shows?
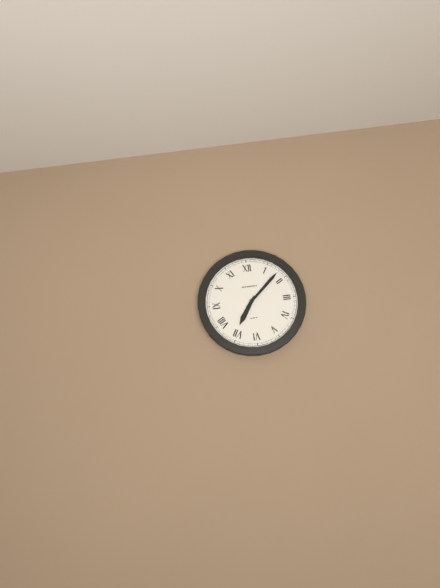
7:08
